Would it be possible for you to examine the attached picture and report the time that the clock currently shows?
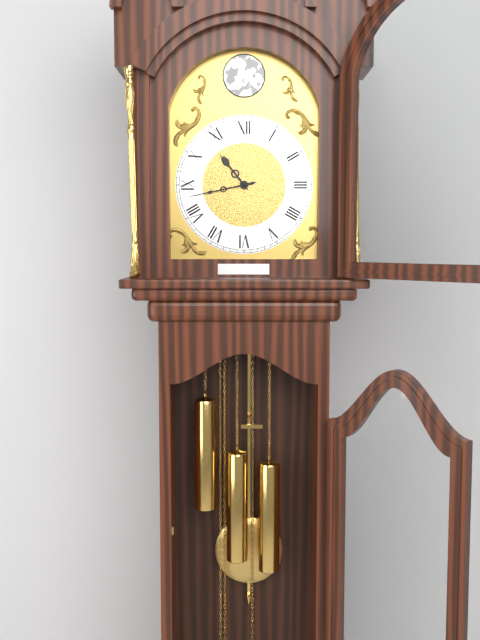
10:43
